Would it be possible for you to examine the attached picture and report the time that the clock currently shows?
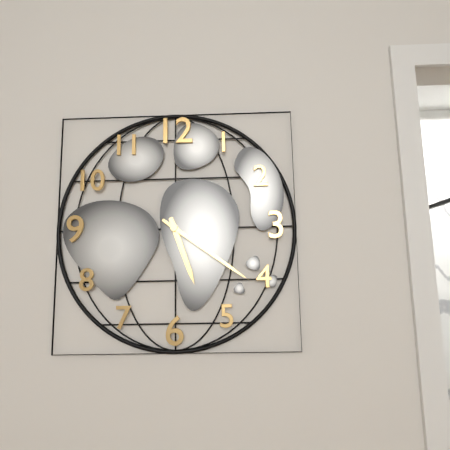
5:21
